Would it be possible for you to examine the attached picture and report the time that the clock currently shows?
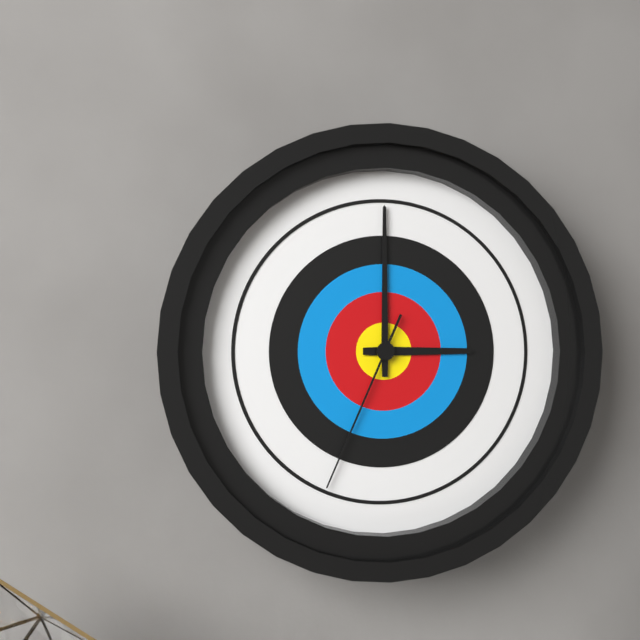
3:00:34
